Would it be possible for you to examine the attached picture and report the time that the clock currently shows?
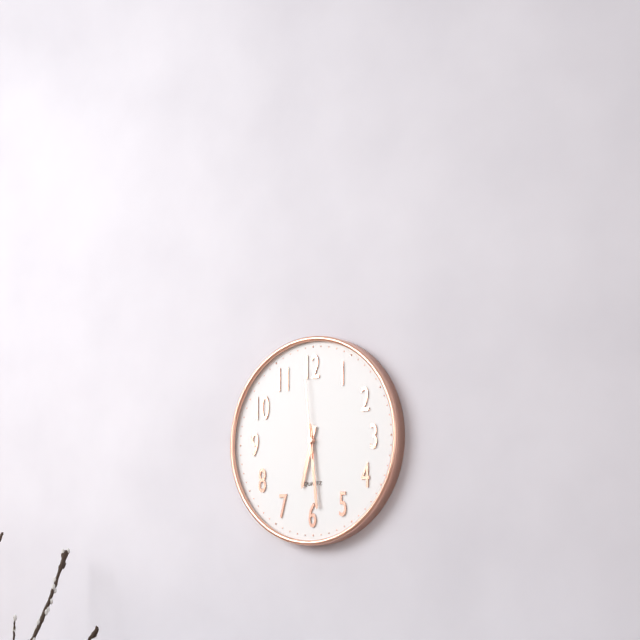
6:29:59
